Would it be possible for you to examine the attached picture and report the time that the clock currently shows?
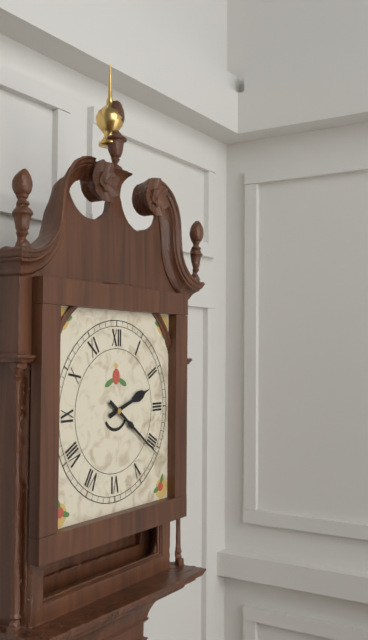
2:21
